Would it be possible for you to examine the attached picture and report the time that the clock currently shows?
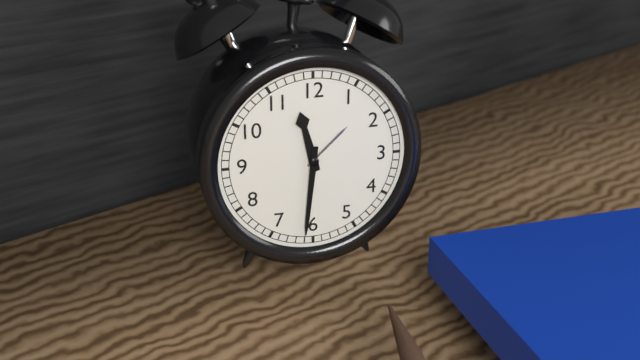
11:31
